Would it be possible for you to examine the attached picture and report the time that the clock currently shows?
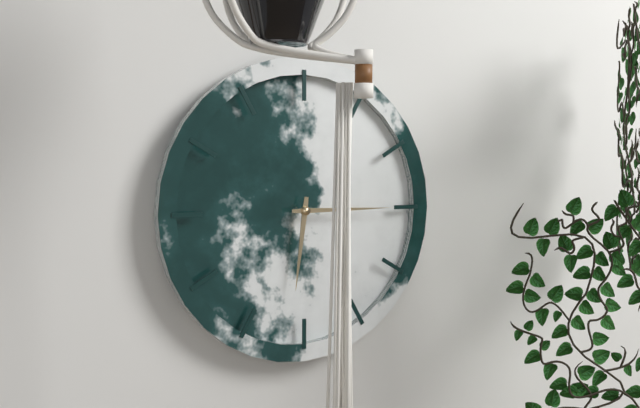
6:15
